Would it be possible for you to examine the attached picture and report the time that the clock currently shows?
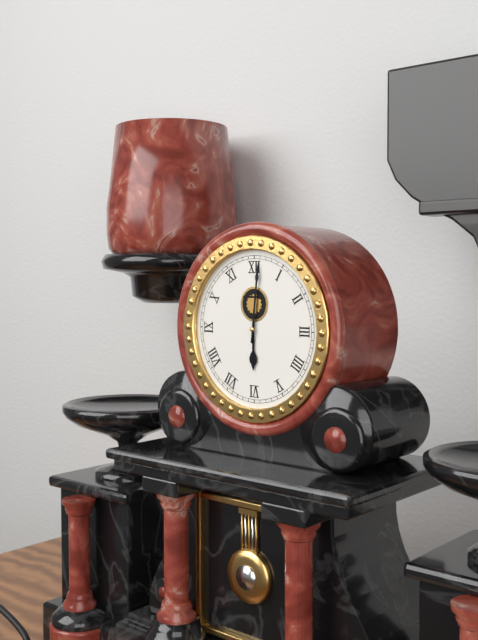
6:01
